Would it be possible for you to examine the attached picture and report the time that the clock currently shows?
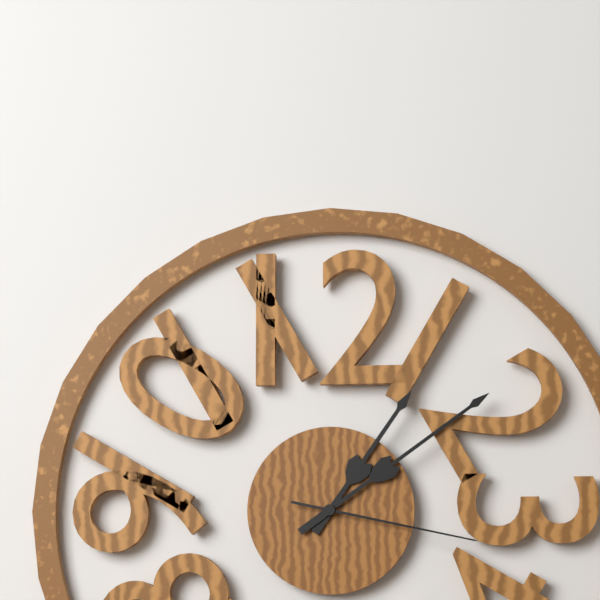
1:09:17
